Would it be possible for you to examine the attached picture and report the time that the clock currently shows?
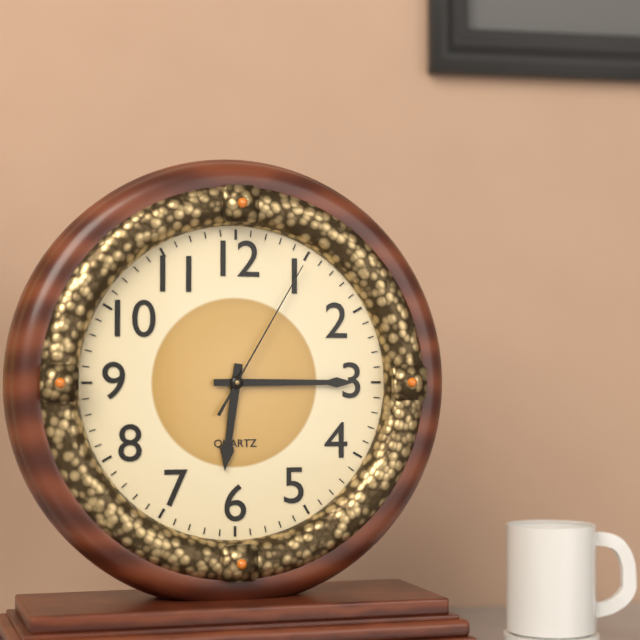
6:15:05
